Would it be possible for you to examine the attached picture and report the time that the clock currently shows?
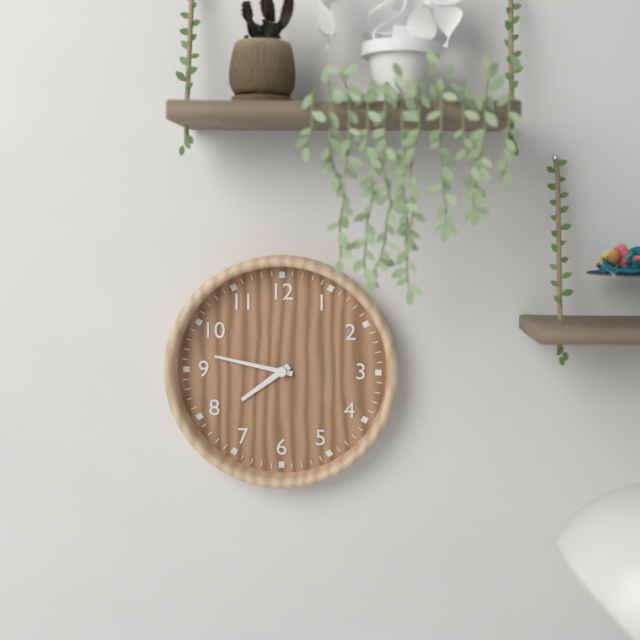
7:47
